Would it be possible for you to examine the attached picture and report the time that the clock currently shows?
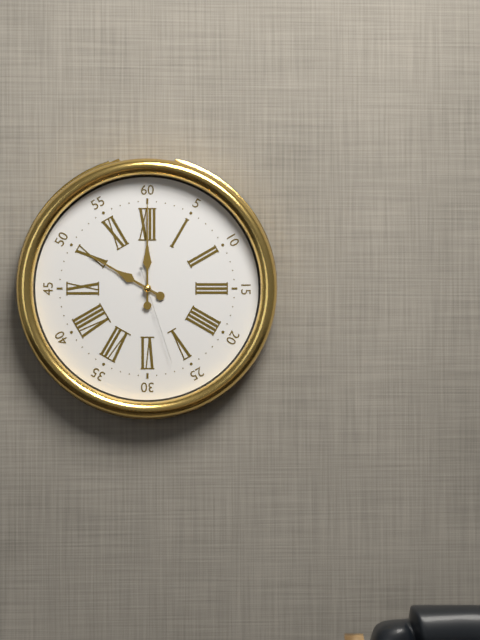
10:00:27
